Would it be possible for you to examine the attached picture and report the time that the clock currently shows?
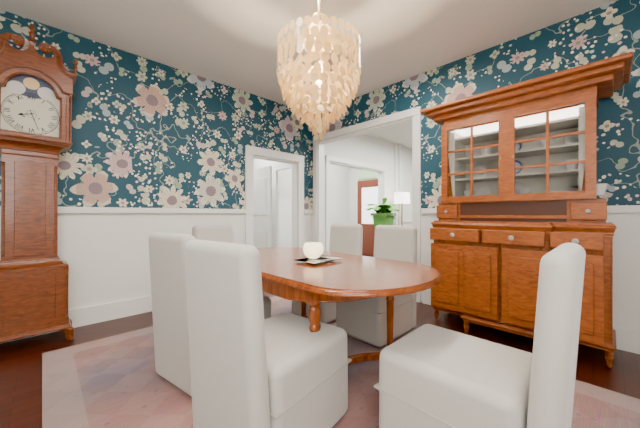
8:27
